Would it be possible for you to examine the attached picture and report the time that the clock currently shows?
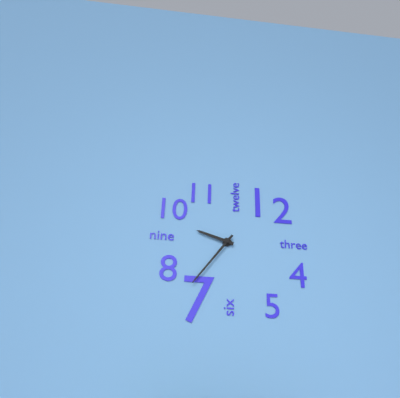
9:36
